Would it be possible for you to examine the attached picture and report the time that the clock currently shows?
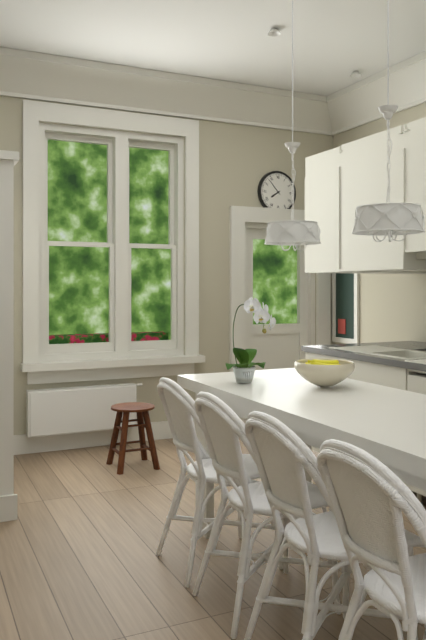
7:53
